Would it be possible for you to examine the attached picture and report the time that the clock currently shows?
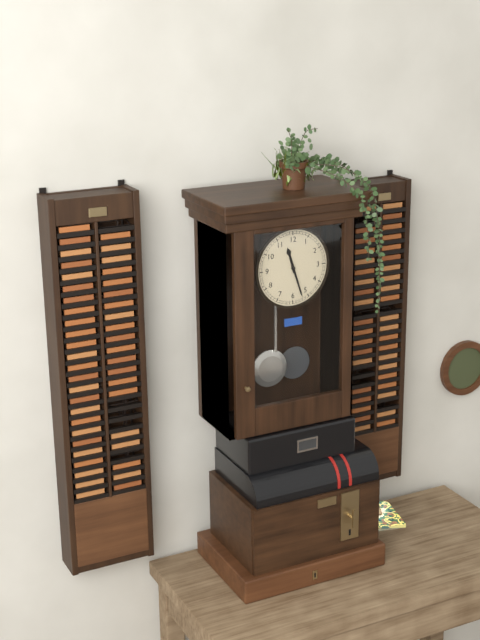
11:27
